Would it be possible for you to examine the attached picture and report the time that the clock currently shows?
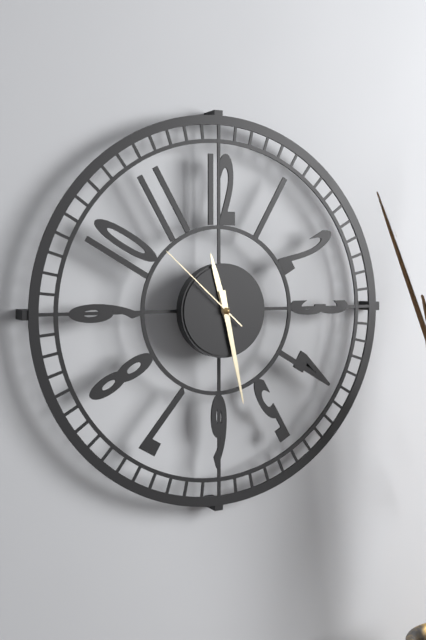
11:28:52
